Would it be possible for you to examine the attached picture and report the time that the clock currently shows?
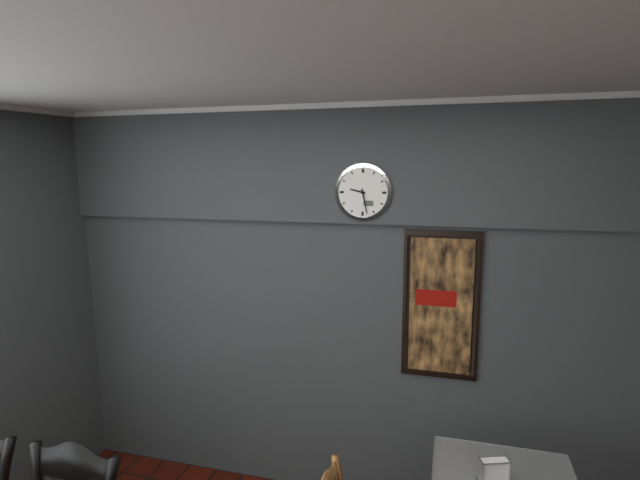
9:28
